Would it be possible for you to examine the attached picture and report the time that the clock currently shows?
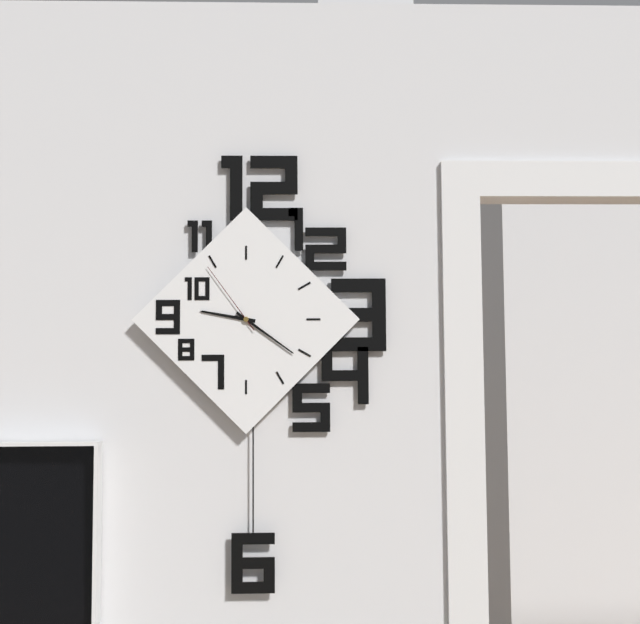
9:21:54
